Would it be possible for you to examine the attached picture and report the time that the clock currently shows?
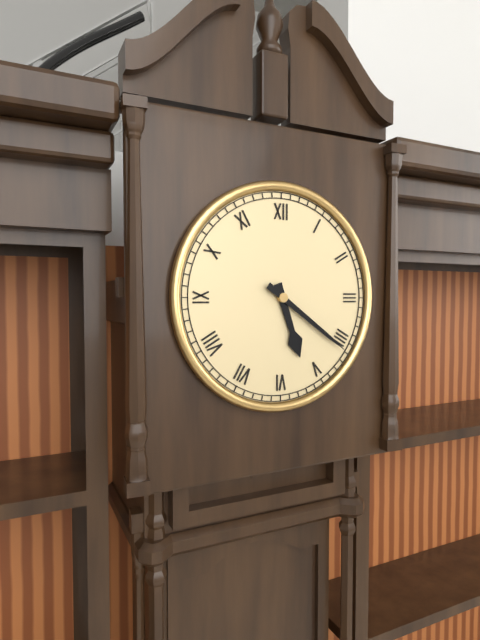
5:21
